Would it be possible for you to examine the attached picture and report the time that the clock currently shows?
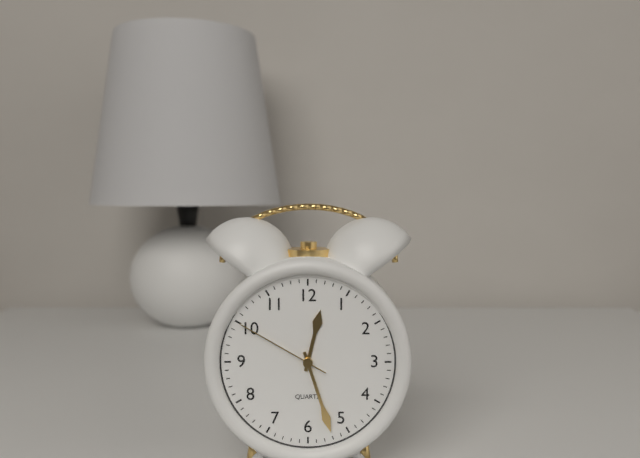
12:27:50
